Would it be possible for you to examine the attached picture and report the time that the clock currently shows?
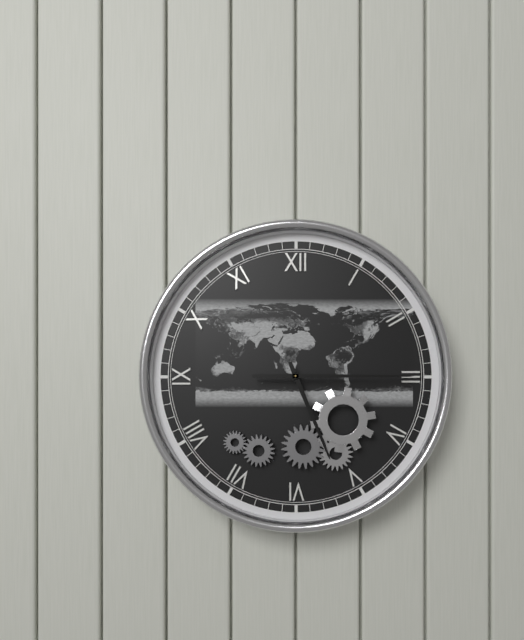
5:15
